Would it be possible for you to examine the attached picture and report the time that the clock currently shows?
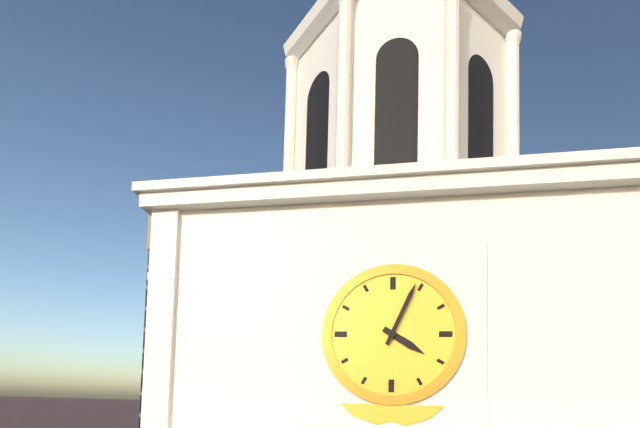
4:04
